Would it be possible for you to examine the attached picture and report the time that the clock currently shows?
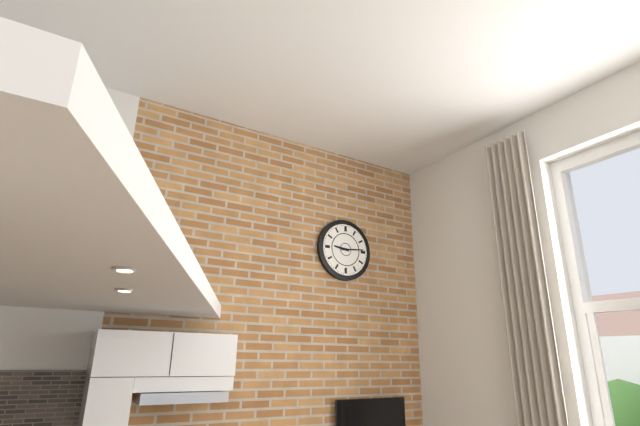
9:14
